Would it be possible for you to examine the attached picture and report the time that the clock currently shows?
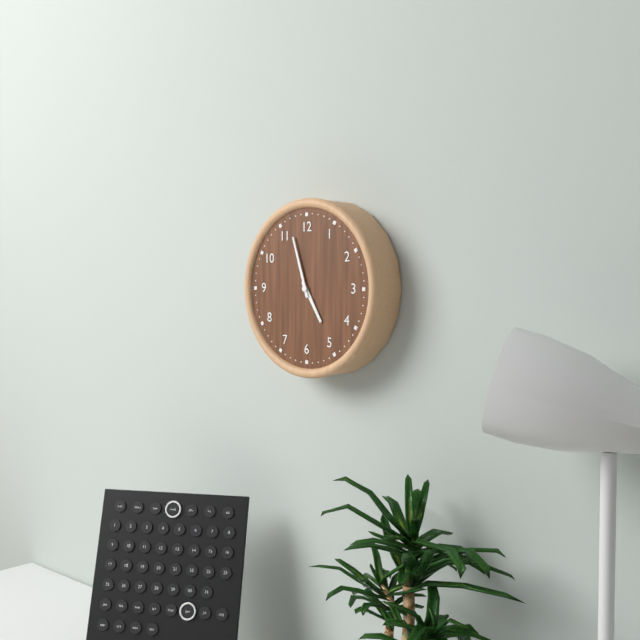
4:57
